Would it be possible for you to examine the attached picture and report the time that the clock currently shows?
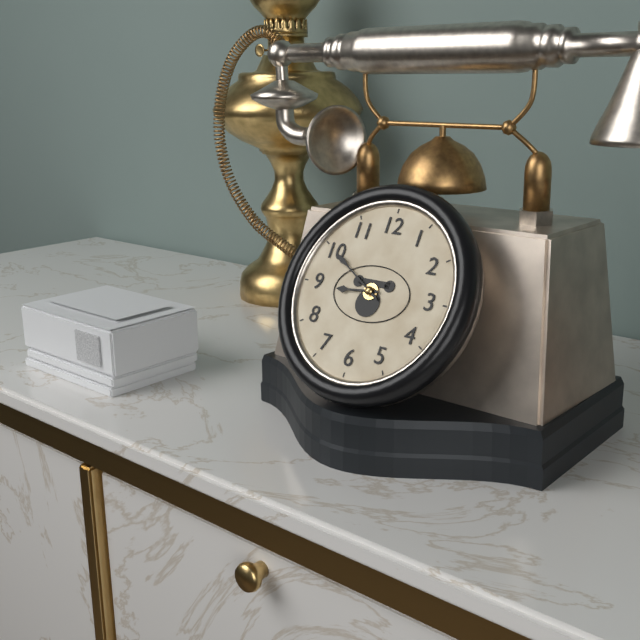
8:50
